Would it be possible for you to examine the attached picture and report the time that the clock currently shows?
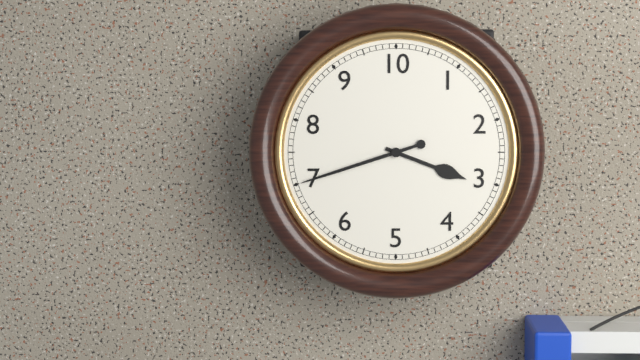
3:42
